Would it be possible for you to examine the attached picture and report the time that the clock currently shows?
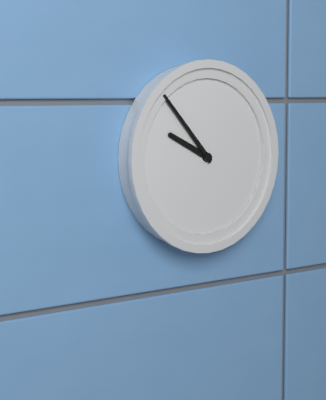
9:53
